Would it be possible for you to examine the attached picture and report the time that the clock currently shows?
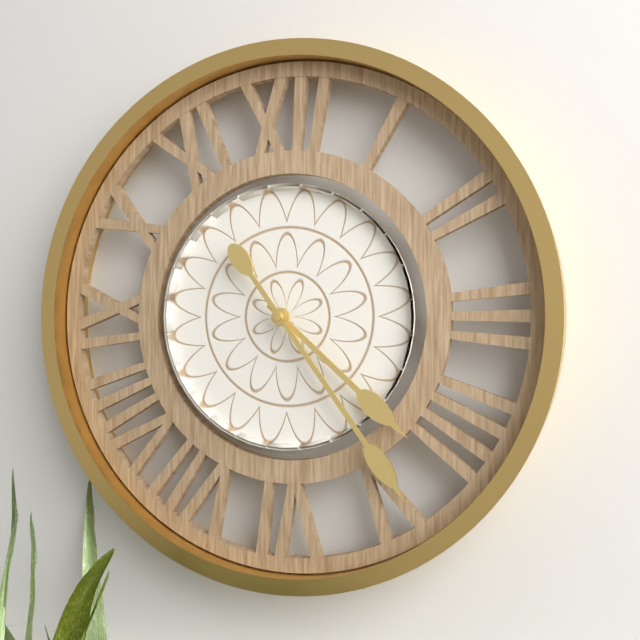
4:24
